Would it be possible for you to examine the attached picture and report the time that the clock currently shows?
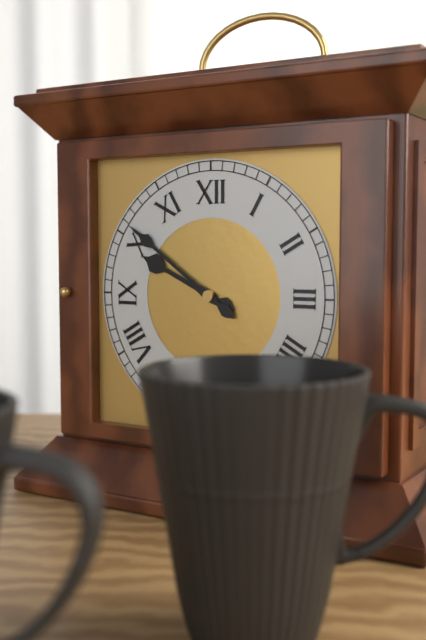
9:51
